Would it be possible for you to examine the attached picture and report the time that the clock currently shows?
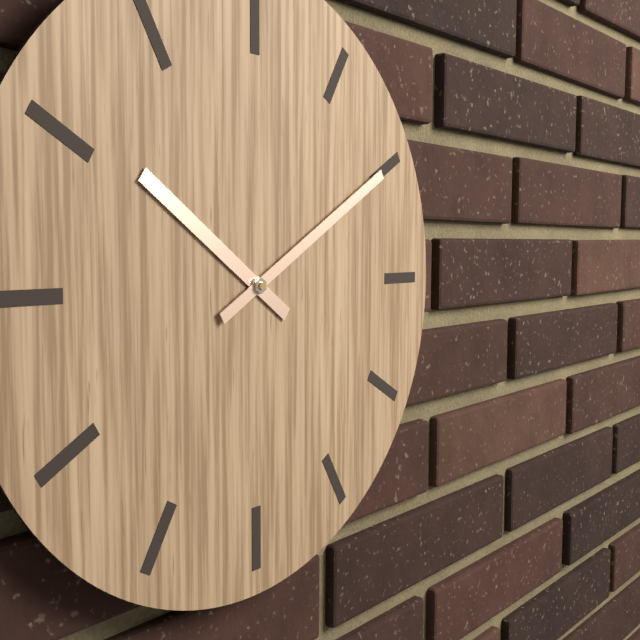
10:10
